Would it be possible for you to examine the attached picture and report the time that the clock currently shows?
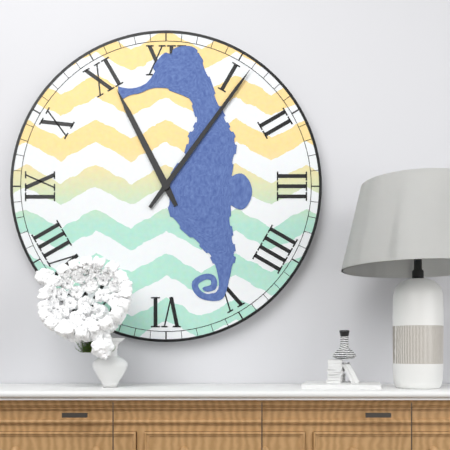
11:06
